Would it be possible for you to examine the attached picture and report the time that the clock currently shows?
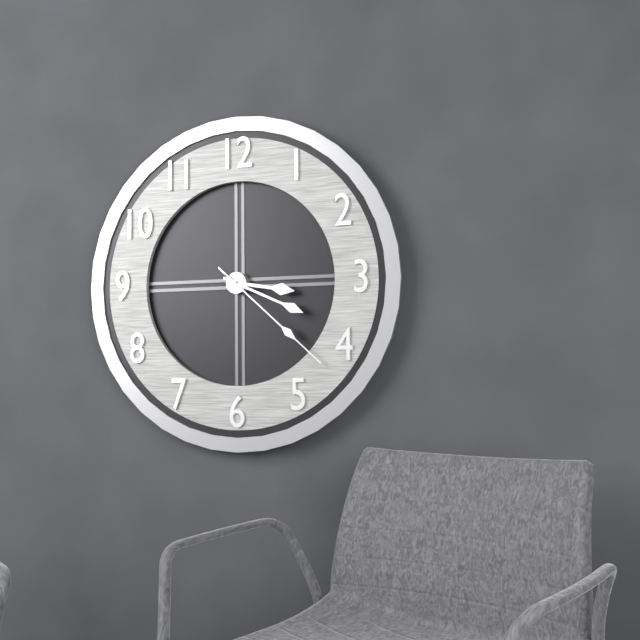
3:19:22
